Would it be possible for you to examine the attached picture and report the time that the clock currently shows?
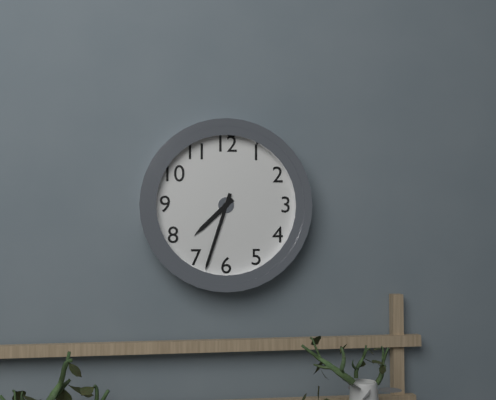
7:33
